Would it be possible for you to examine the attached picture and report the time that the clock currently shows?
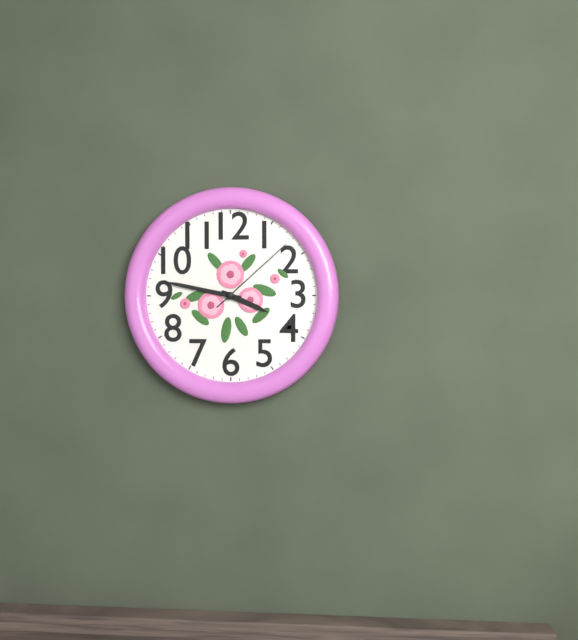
3:47:08
